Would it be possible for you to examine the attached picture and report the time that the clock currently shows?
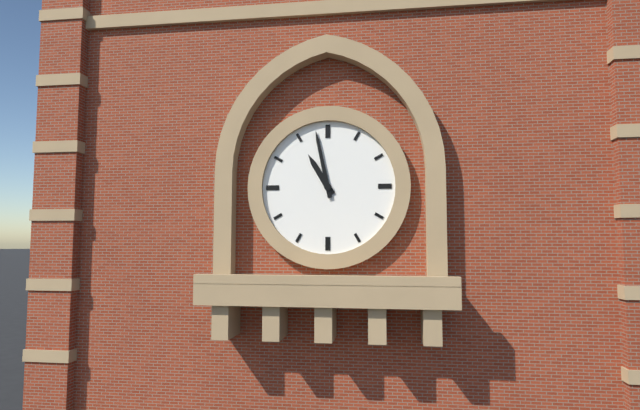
10:58
